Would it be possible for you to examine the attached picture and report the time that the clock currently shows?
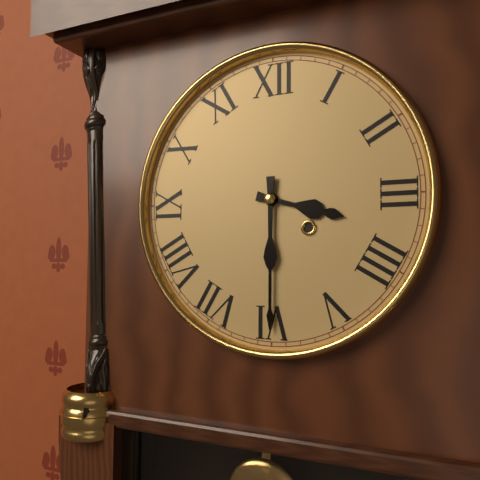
3:30
